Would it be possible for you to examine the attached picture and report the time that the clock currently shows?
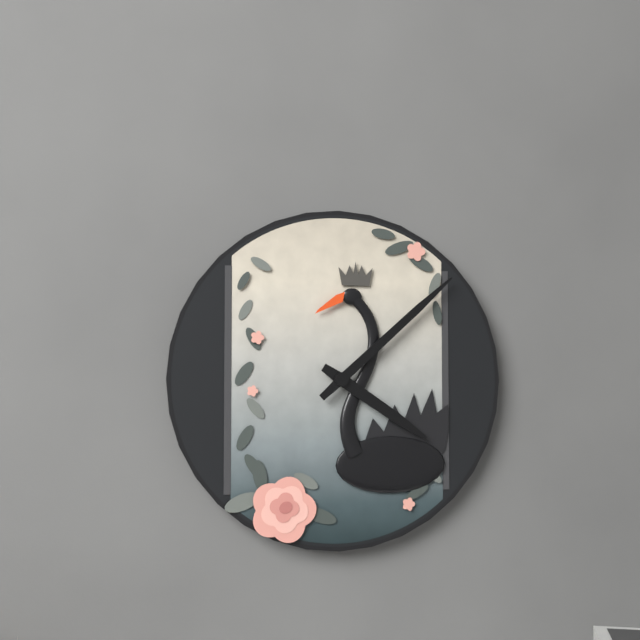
4:08
